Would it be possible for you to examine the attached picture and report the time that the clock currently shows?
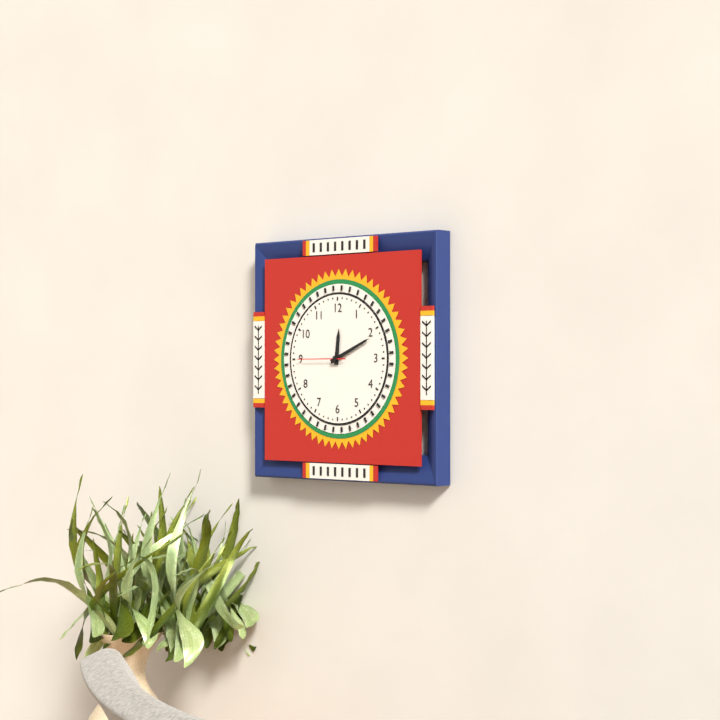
12:11
